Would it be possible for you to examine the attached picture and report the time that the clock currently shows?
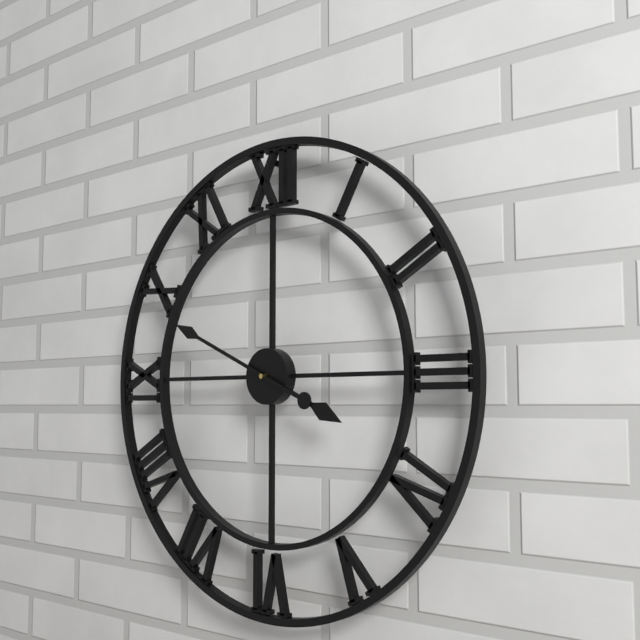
3:49
